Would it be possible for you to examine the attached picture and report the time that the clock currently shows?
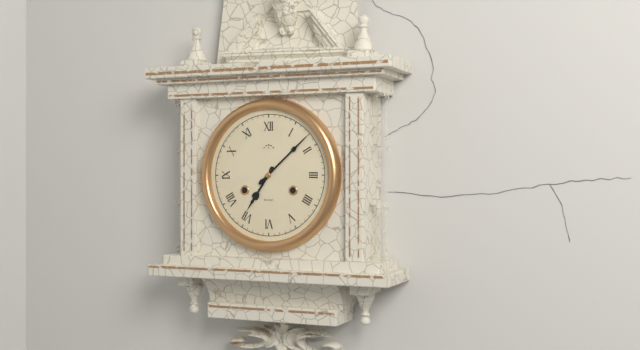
7:08
